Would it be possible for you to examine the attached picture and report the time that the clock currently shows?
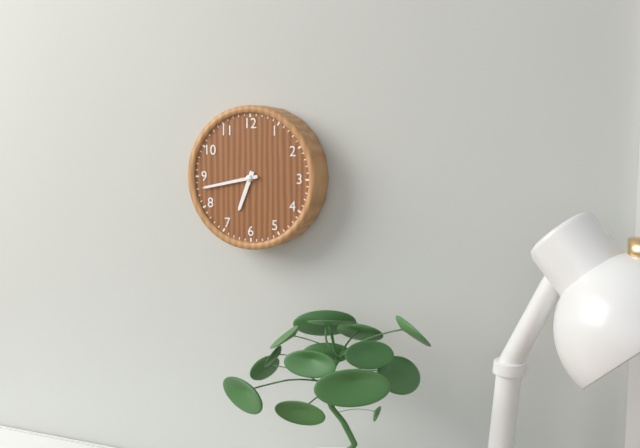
6:43
